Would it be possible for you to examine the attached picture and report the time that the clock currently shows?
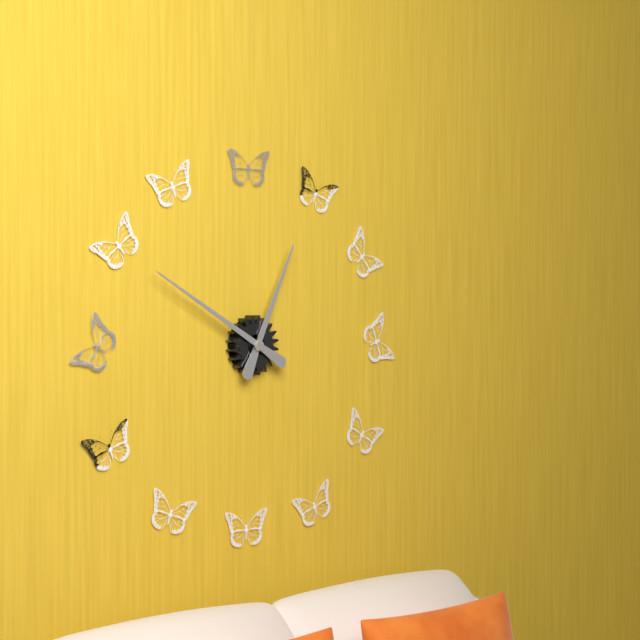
12:50
